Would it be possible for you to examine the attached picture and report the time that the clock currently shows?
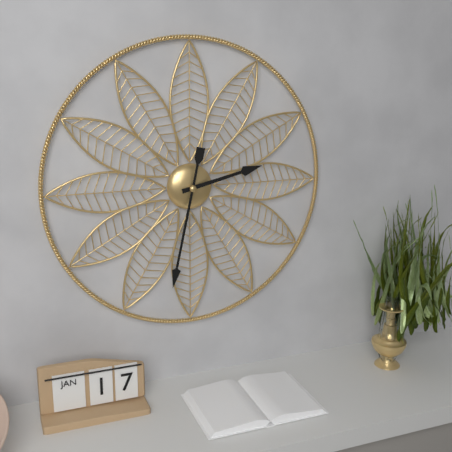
2:32
